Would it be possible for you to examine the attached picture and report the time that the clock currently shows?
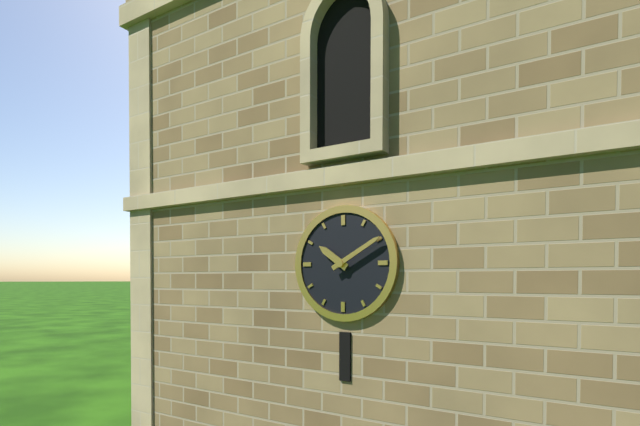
10:10
